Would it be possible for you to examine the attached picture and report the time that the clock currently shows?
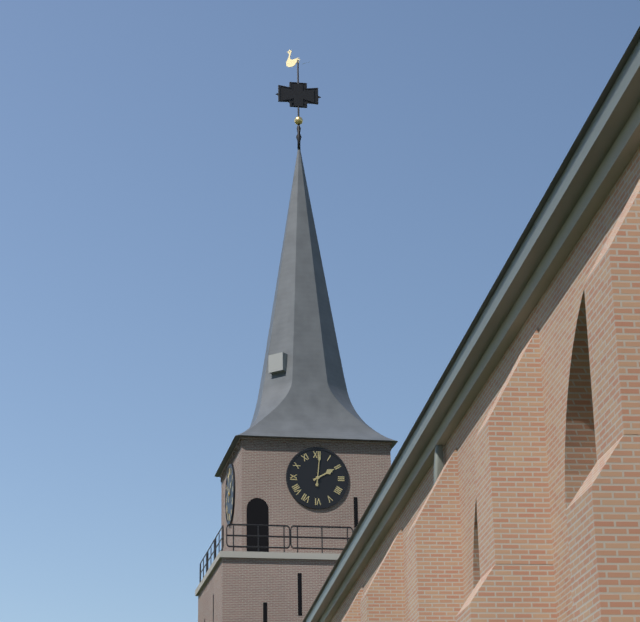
2:01
